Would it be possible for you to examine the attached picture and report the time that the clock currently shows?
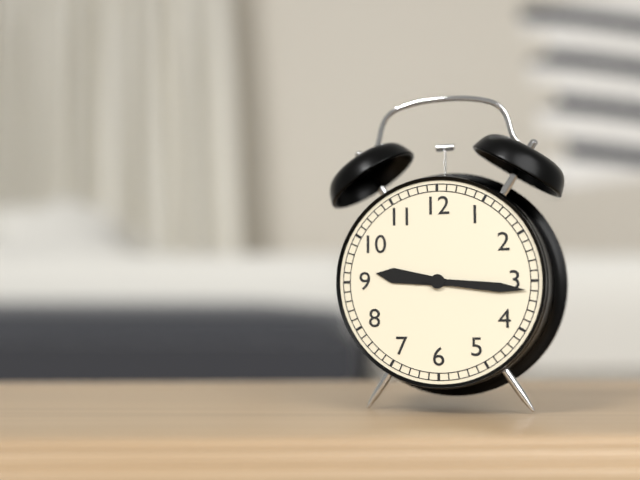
9:16
